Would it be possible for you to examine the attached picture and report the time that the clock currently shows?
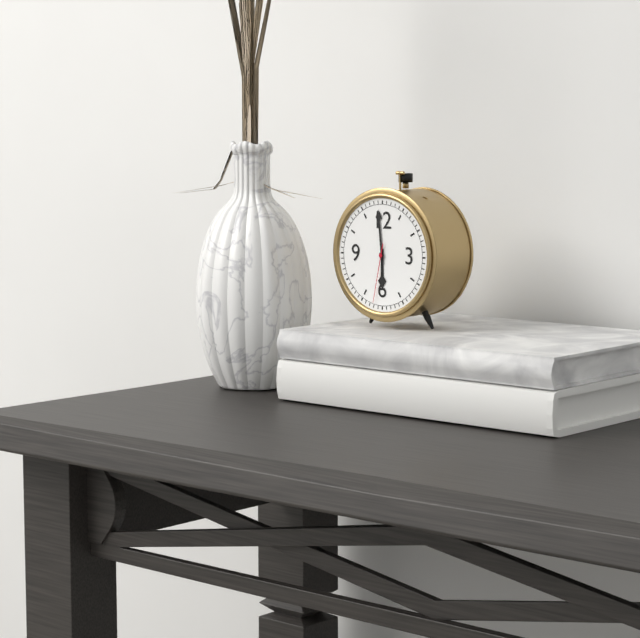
5:59:32
